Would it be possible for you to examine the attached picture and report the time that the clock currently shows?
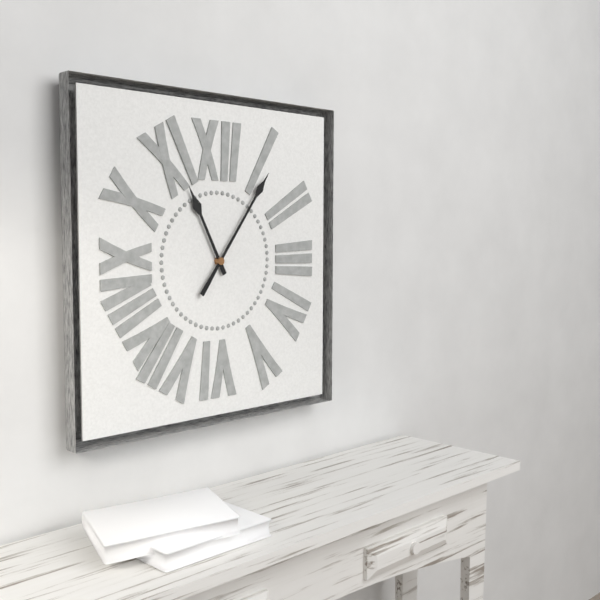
11:06
